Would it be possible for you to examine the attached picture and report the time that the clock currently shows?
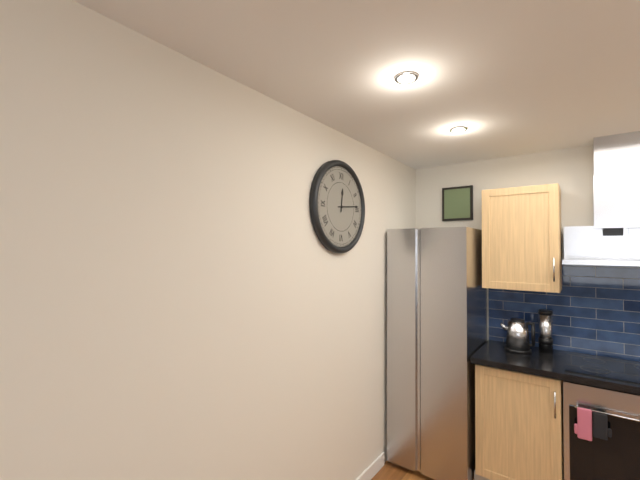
12:14
